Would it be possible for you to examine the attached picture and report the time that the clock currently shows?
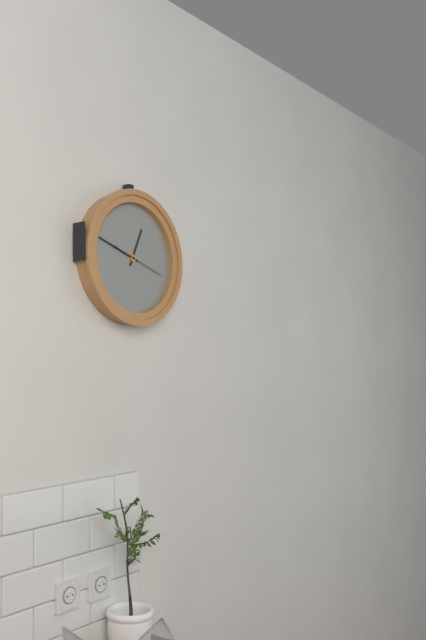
12:48
